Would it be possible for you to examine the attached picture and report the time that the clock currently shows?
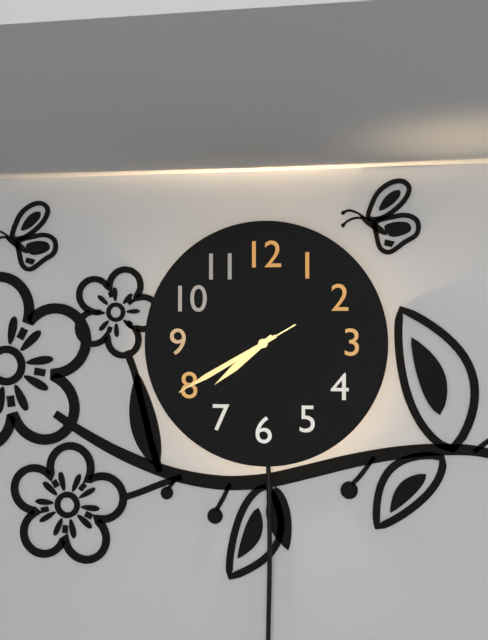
7:40:40
